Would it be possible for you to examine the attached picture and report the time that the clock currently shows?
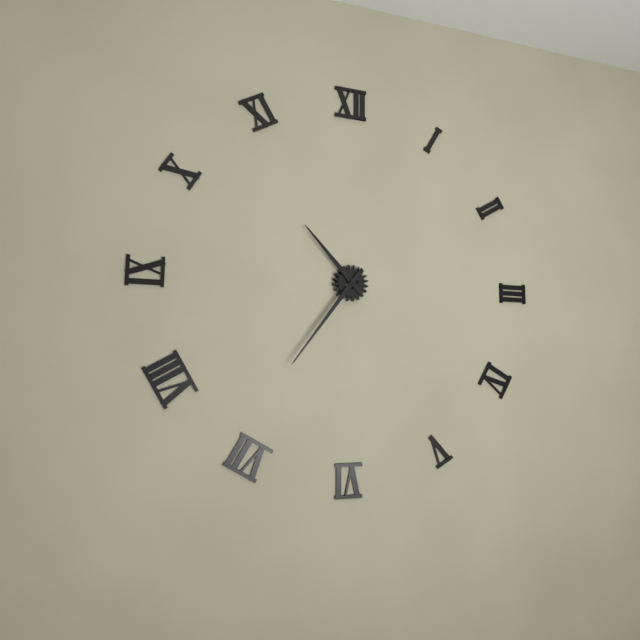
10:36
